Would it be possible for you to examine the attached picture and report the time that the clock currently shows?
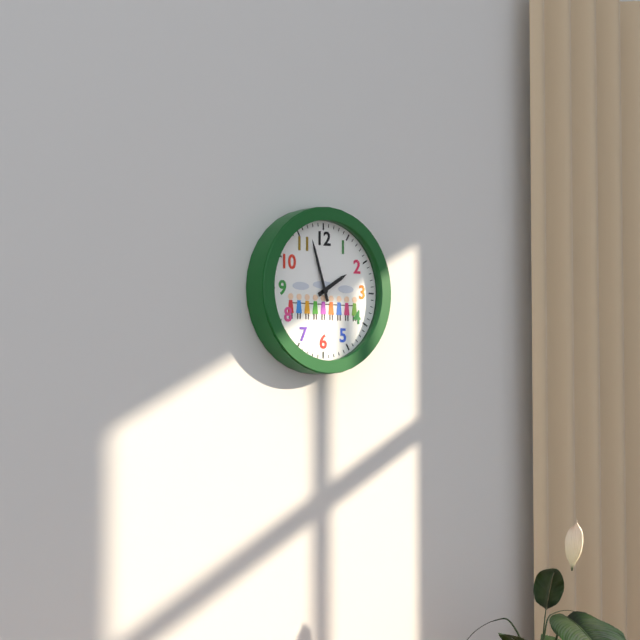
1:57
